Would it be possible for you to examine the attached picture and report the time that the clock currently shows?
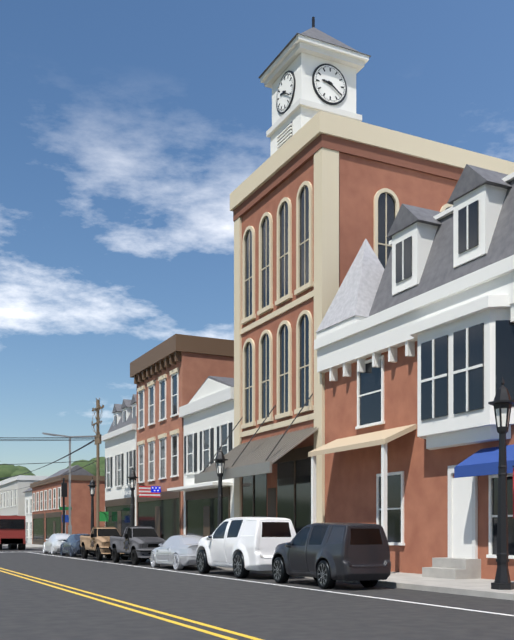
9:21
